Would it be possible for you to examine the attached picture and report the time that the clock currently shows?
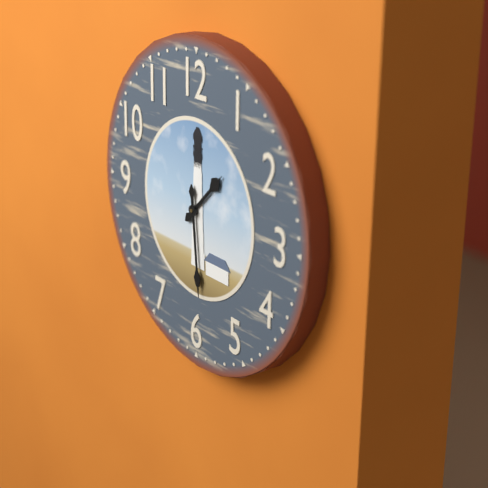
1:29
